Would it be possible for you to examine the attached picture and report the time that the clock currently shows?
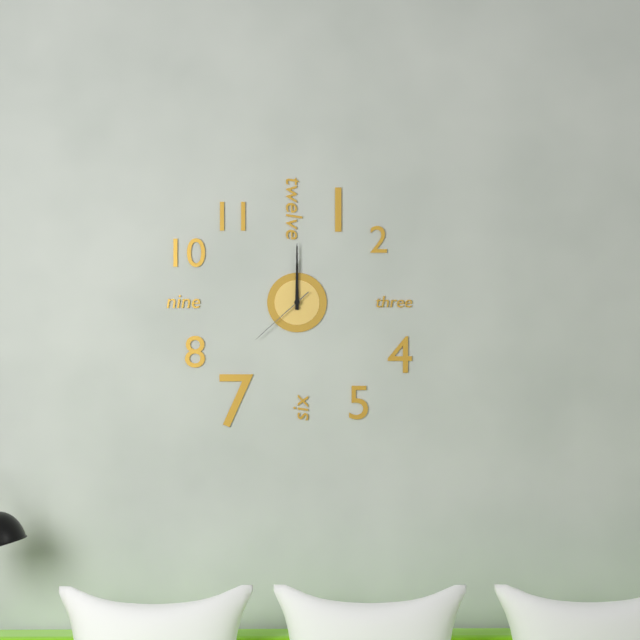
12:00:38
